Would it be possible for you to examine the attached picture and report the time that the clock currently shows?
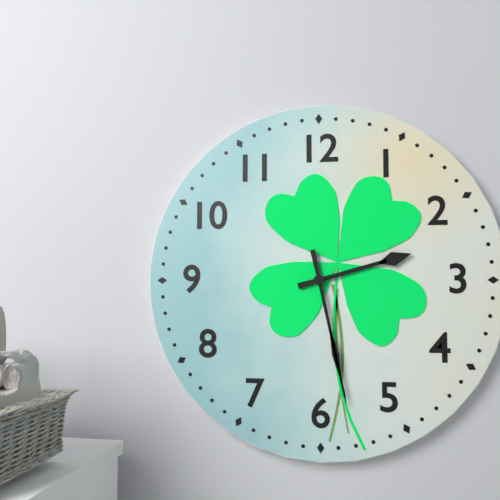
2:28
